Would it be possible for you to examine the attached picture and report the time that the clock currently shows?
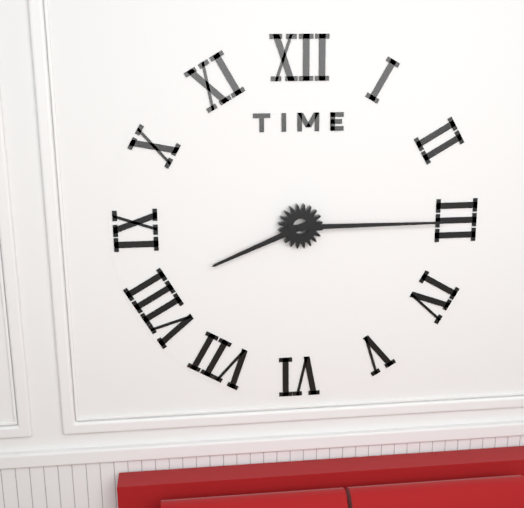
8:15
